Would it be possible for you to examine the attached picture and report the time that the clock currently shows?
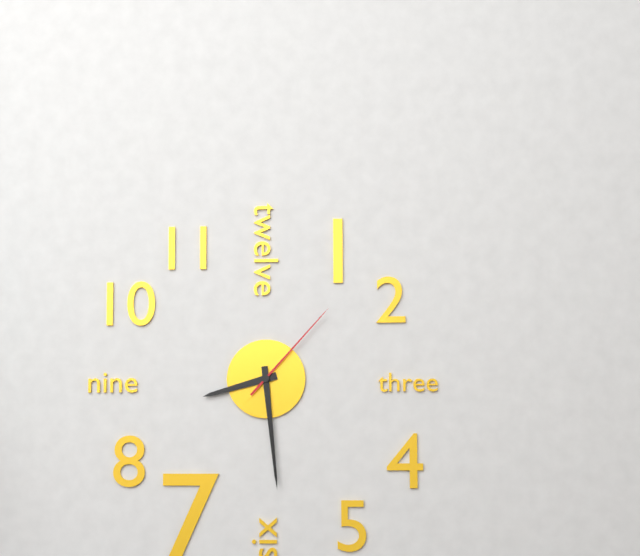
8:29:07
